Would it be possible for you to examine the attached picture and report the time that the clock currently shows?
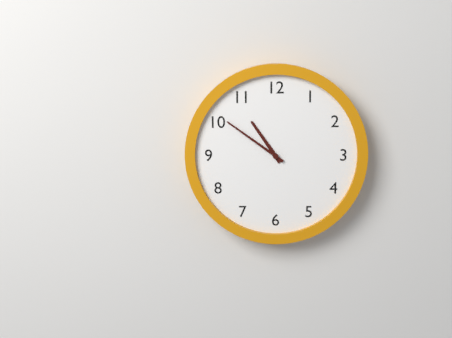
10:51
